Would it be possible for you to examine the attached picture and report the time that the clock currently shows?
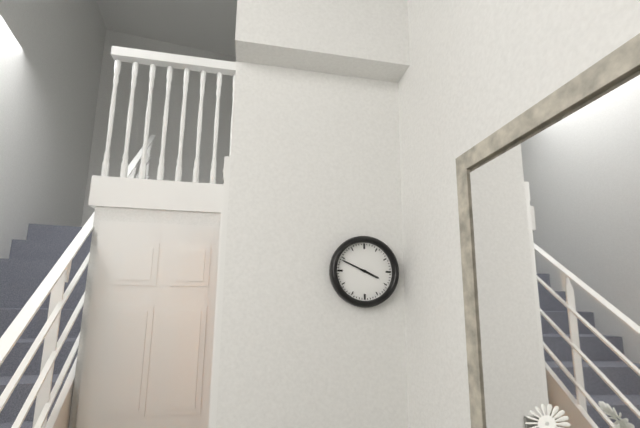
3:49
